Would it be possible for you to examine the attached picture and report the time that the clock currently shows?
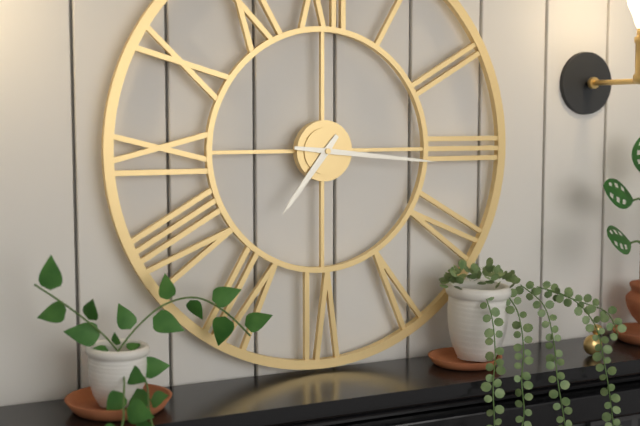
7:16
